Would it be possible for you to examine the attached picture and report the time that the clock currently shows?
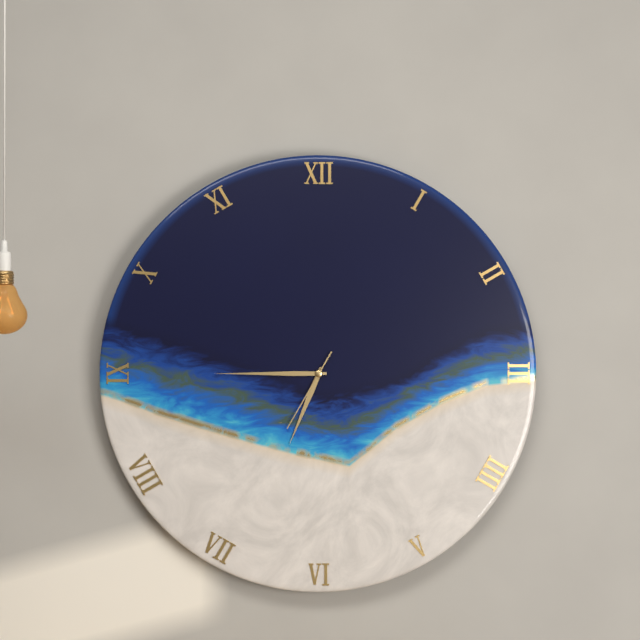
6:45:35
